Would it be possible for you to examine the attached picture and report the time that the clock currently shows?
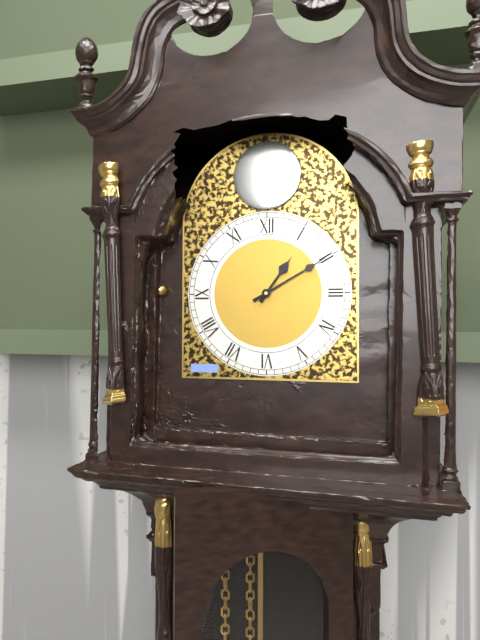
1:10
